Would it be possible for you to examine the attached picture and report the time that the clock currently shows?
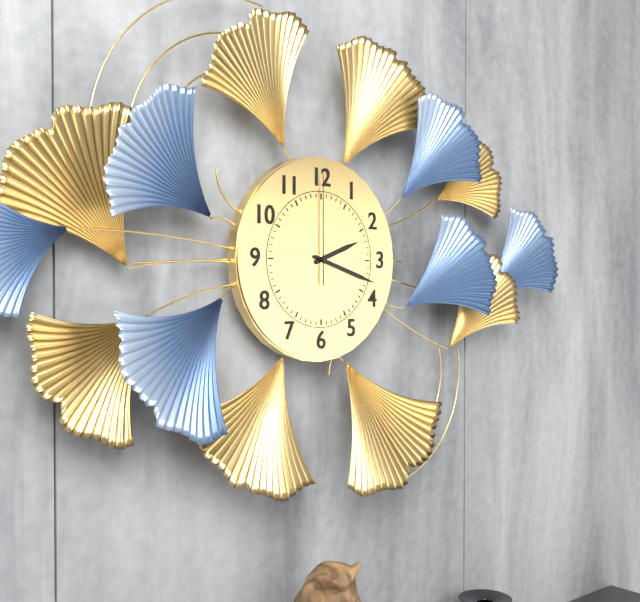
2:18:00
